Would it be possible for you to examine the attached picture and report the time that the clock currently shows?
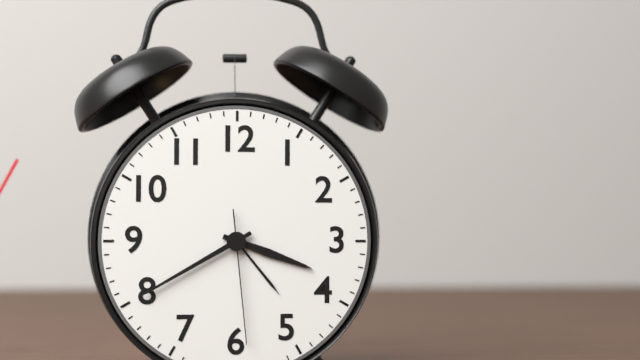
3:40:29
